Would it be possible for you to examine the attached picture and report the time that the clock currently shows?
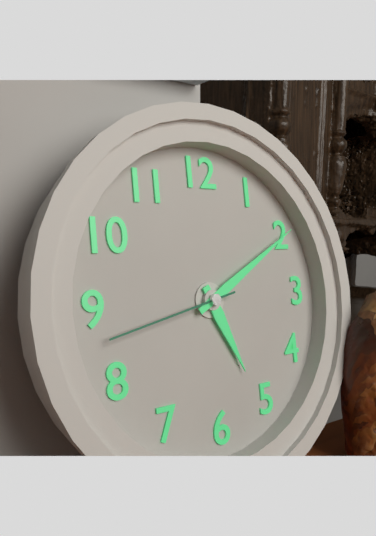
5:10:43
